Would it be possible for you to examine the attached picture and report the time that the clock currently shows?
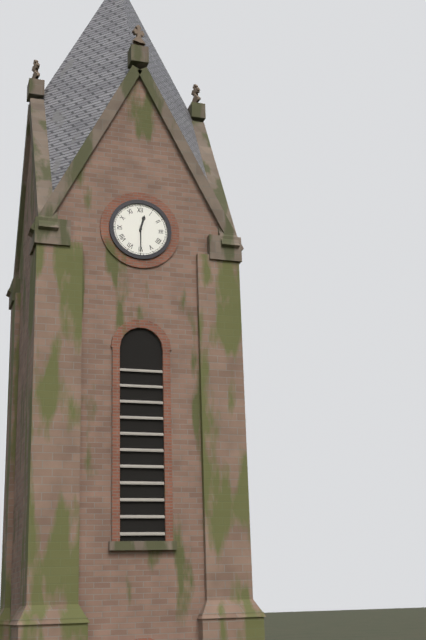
12:30
